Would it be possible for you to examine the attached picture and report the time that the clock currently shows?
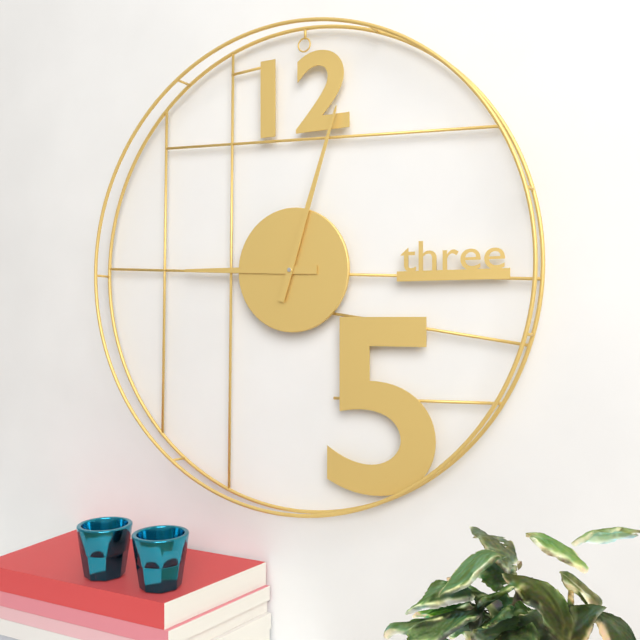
9:03
